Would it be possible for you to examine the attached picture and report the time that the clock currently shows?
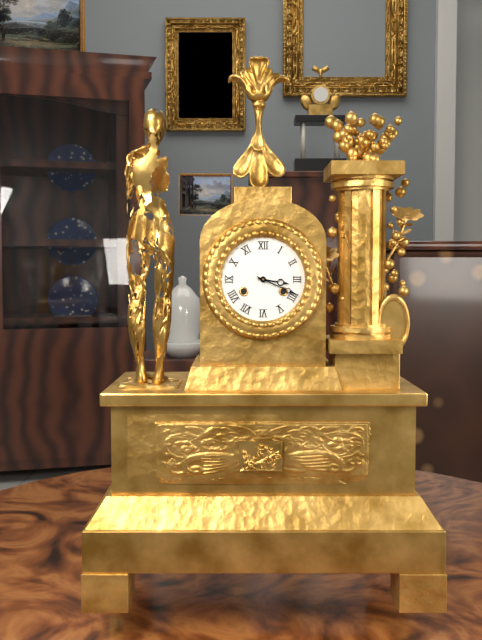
3:19
